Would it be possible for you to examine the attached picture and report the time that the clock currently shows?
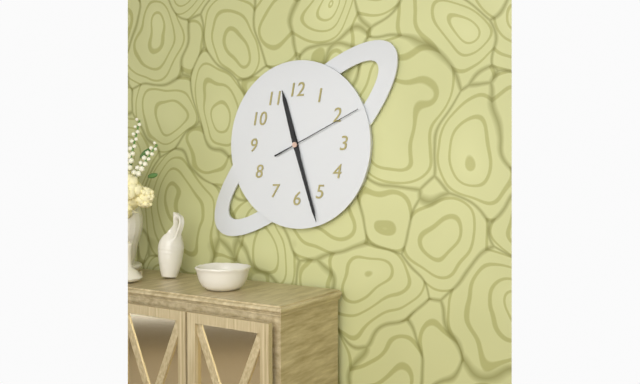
11:27:11
